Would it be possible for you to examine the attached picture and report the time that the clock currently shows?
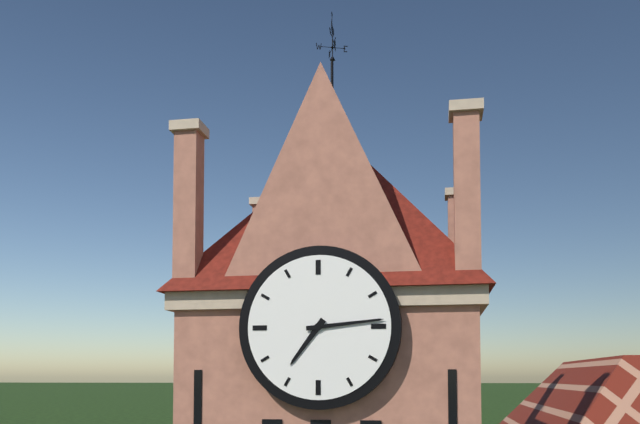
7:14
